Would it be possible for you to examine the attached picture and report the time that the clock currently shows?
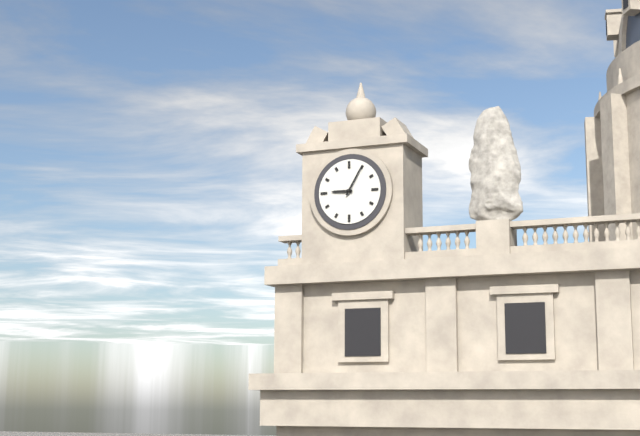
9:05
